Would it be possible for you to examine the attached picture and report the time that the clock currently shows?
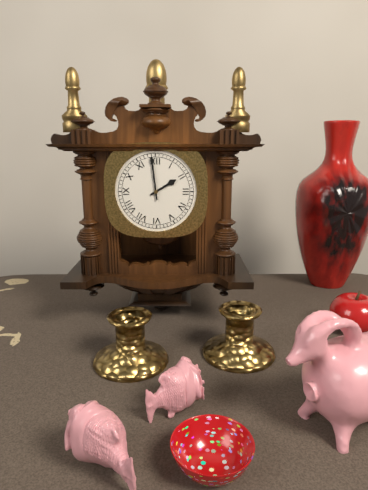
1:59
